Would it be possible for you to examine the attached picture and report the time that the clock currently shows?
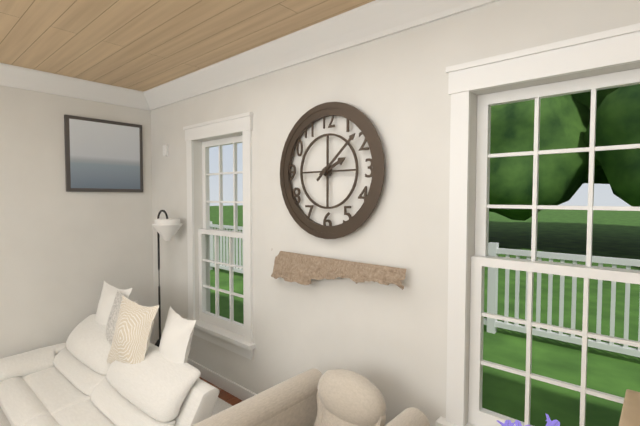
2:08
